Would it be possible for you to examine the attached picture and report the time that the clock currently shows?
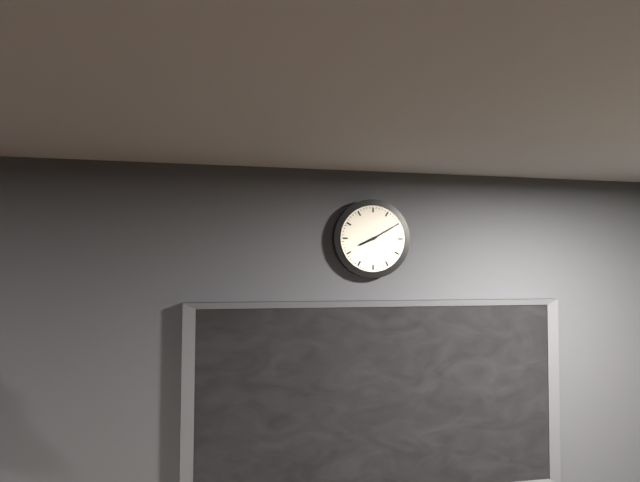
8:10
